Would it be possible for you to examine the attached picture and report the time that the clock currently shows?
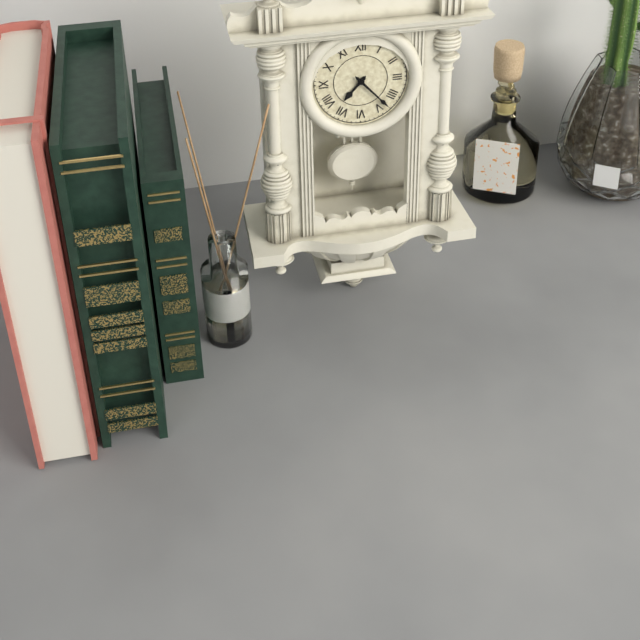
7:23
